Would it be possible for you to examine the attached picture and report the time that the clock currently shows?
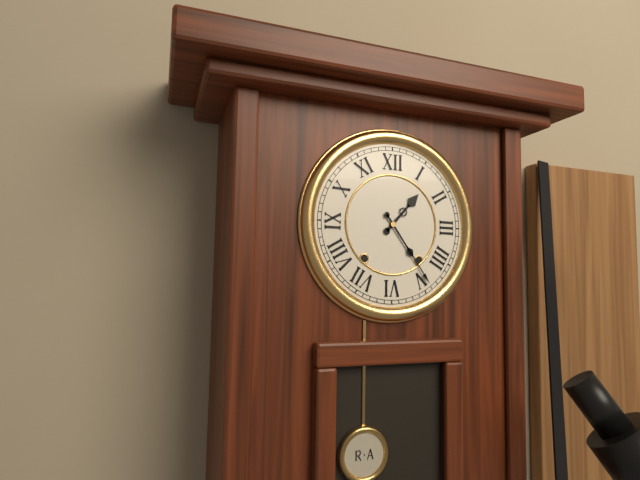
1:24
